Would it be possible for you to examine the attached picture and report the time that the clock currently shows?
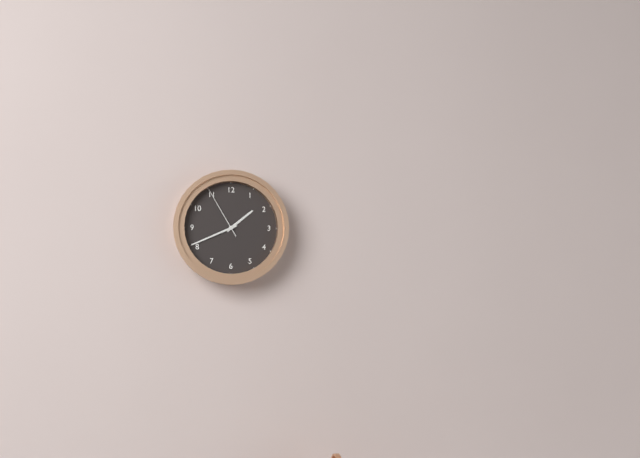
1:41:55
